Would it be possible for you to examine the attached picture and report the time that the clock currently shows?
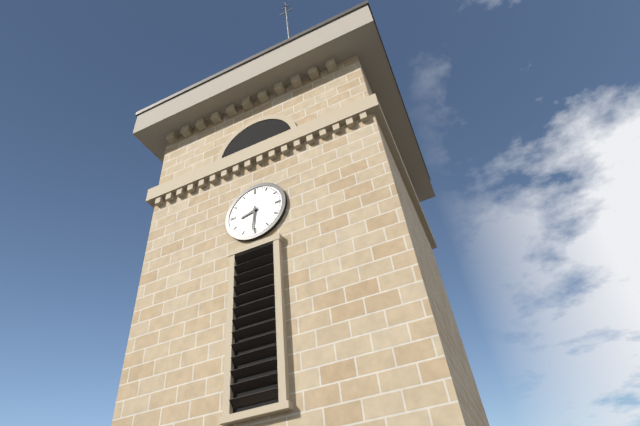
8:31
